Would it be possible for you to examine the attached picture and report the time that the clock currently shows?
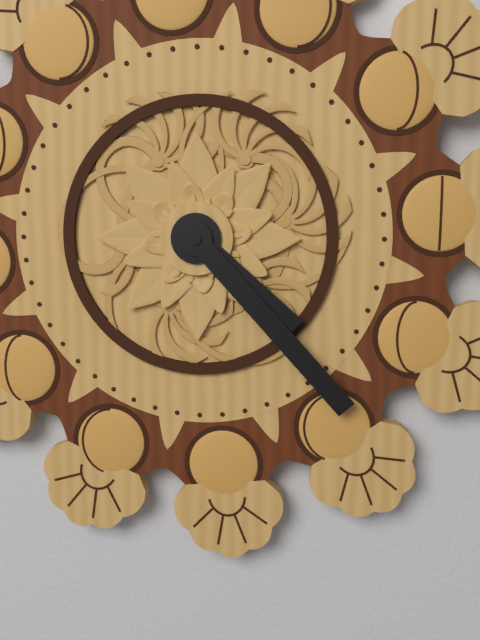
4:23
